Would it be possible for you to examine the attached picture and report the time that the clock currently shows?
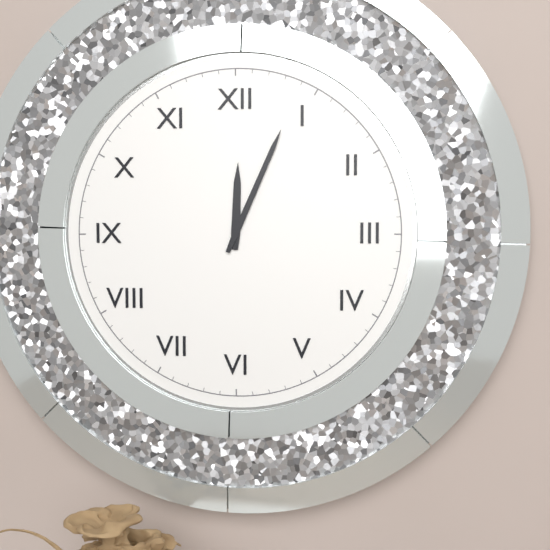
12:04
